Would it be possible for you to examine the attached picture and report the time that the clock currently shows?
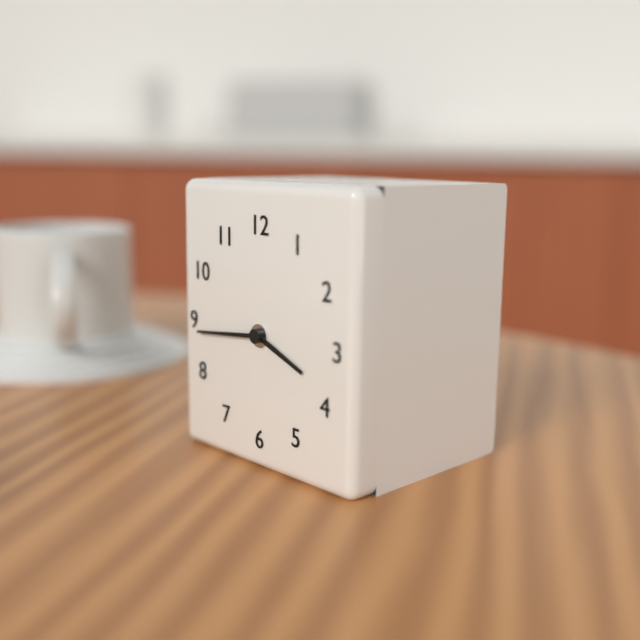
3:44
